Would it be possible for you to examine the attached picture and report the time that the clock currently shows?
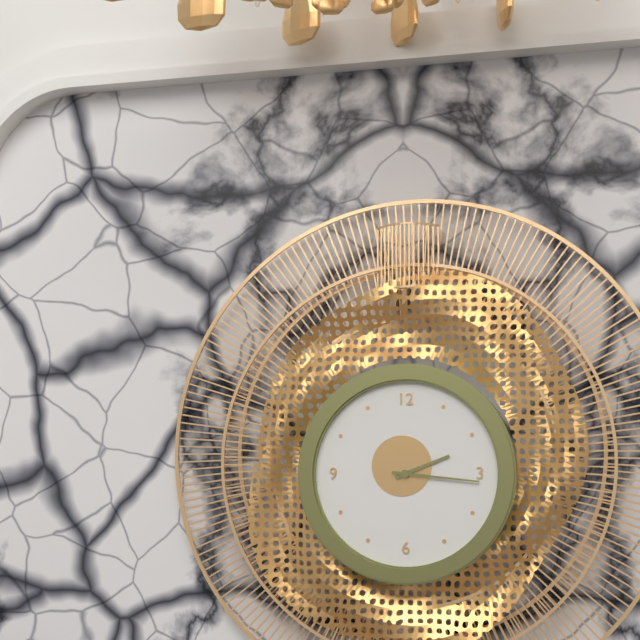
2:16
